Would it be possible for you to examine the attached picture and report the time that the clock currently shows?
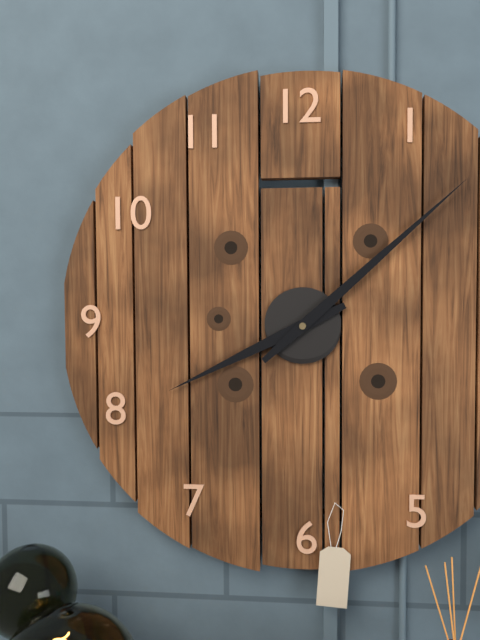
8:08
